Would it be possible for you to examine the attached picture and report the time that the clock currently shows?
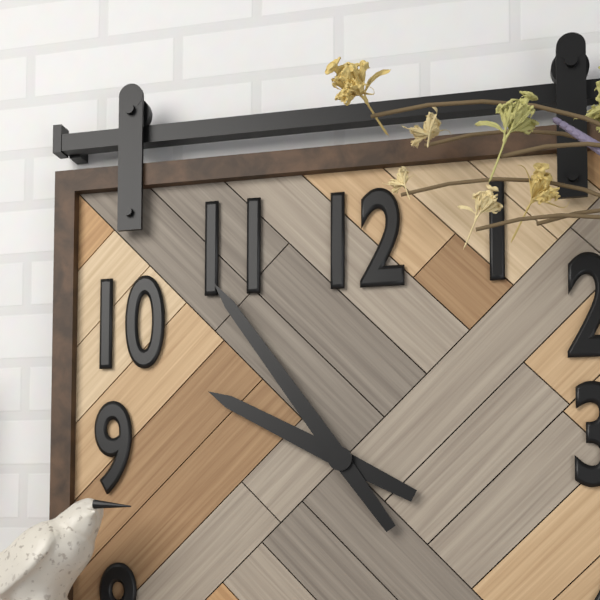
9:54
